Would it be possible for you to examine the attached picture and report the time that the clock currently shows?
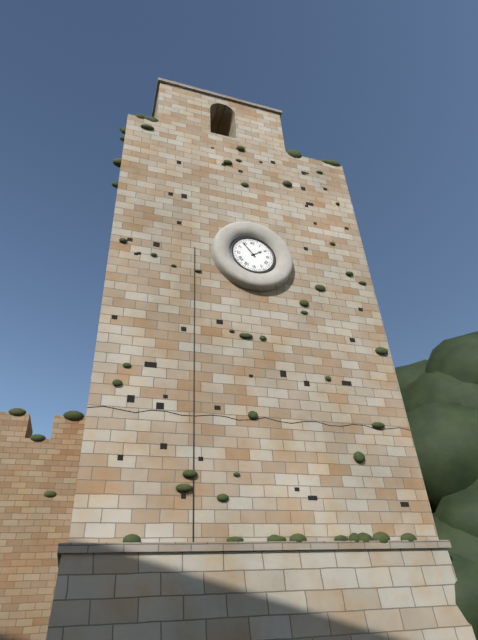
1:54
